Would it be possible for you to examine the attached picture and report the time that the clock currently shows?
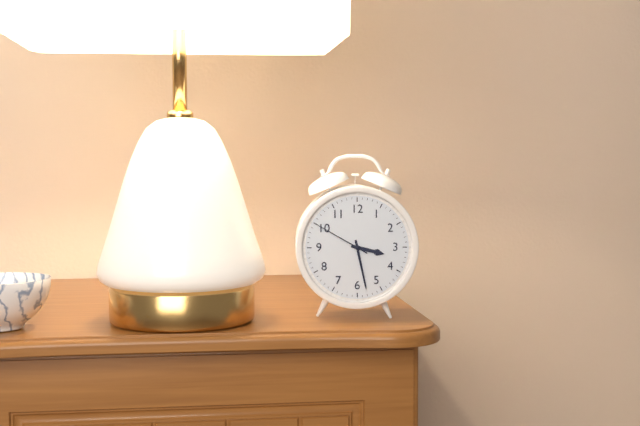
3:28:50
